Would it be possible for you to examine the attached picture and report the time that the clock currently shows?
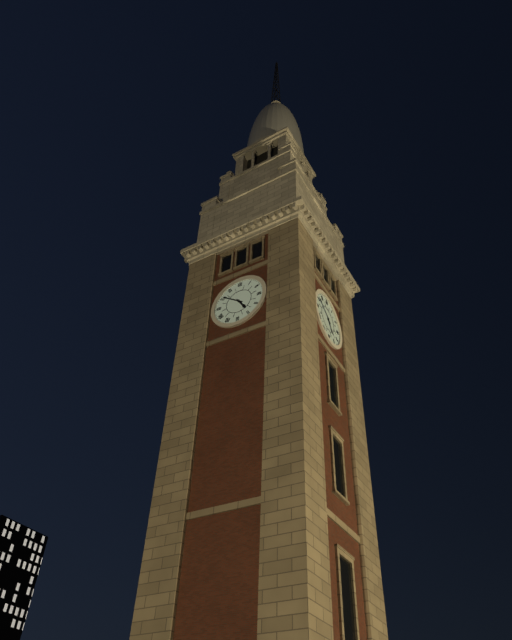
4:51
